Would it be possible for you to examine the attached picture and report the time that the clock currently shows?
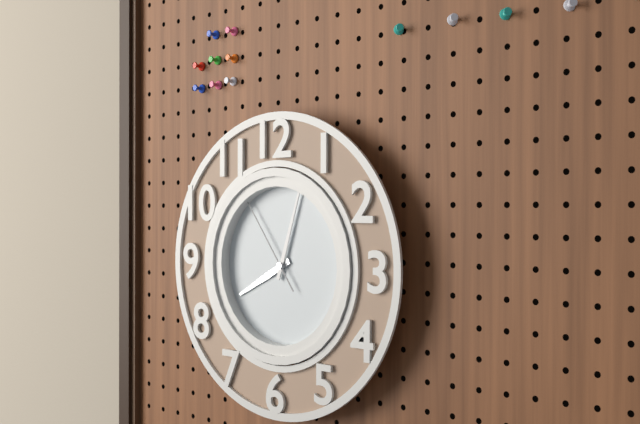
8:03:54
